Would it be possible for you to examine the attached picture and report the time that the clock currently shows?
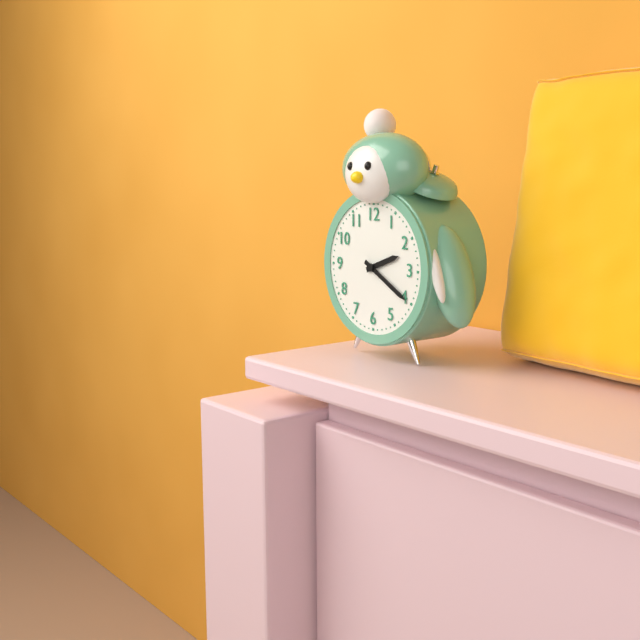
2:20
